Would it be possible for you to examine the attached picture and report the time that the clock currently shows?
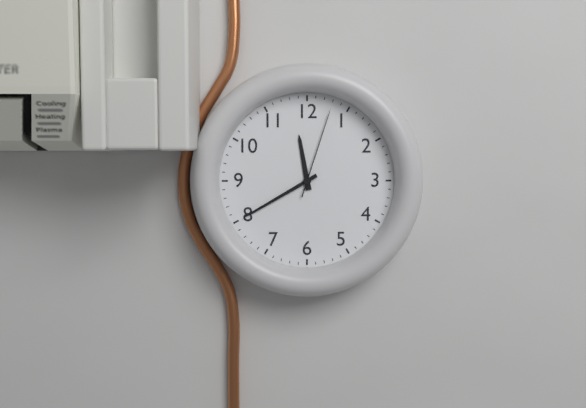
11:40:03
